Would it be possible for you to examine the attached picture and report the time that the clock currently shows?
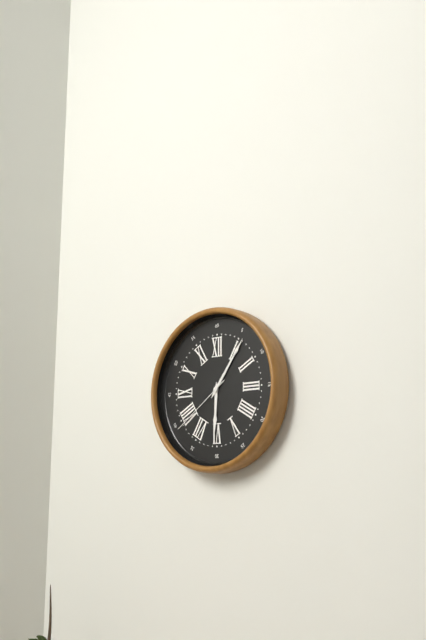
6:06:39
